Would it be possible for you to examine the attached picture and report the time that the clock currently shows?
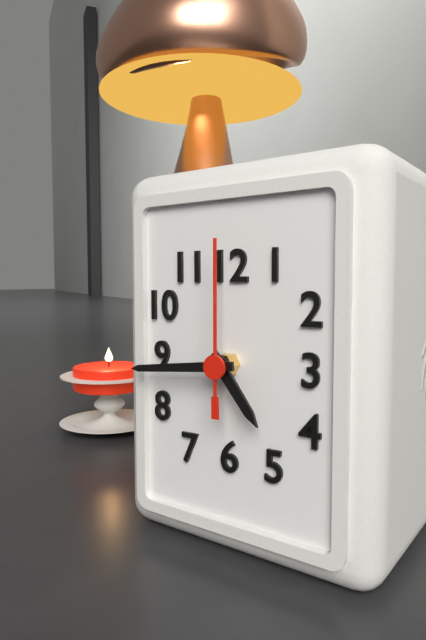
4:44:00
